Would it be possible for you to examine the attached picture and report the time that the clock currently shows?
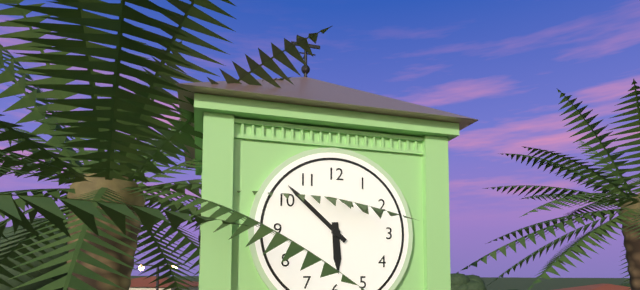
5:52
